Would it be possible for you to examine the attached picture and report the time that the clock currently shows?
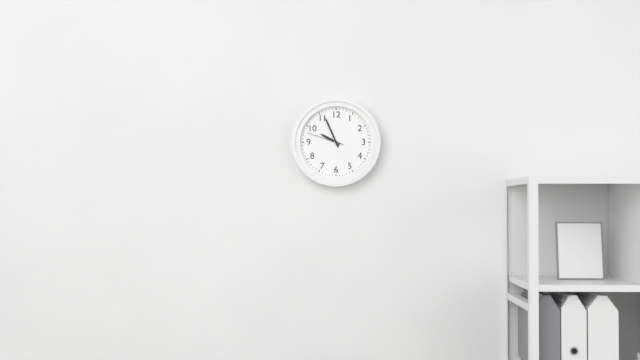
9:56
